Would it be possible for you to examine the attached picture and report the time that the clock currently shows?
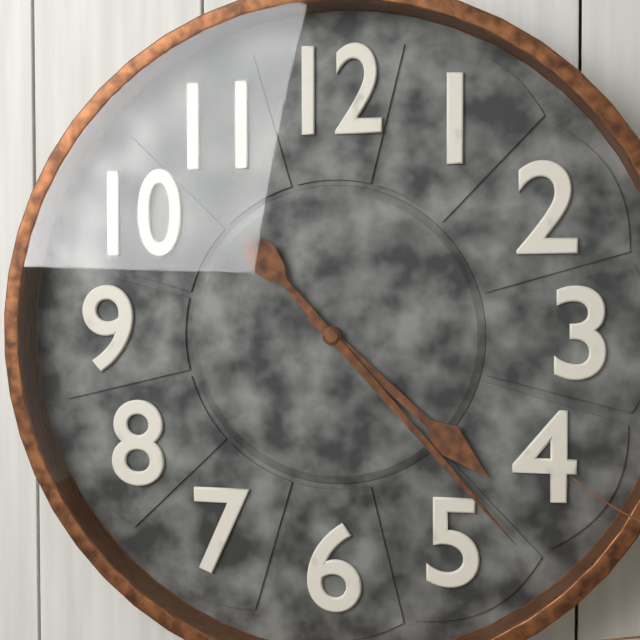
4:23
